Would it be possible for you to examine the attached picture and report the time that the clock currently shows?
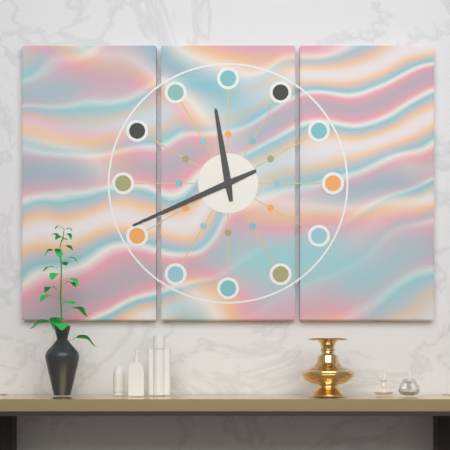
11:41
